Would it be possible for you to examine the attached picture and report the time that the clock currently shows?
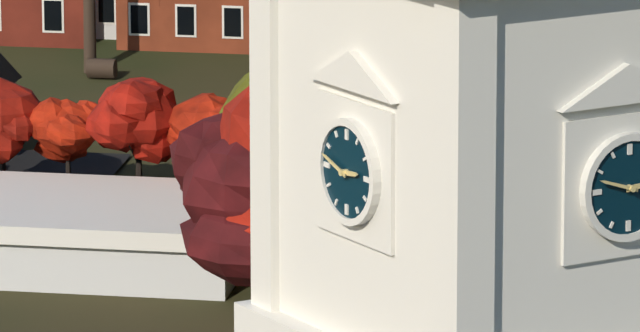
2:48
